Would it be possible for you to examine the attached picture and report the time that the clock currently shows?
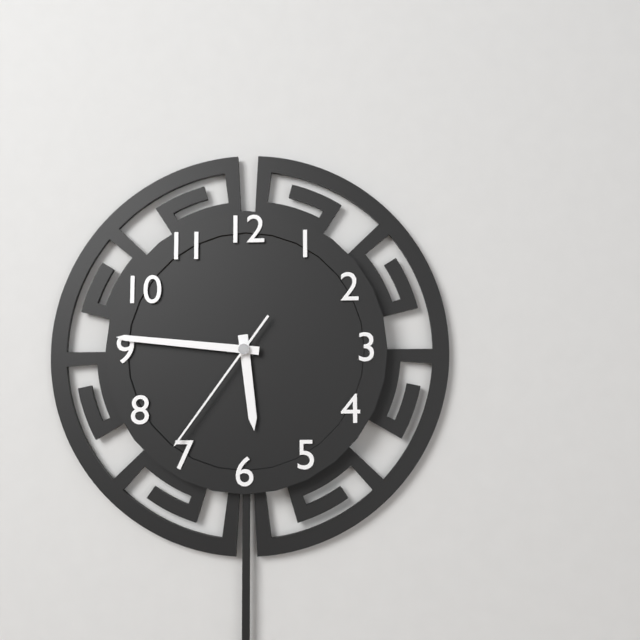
5:46:36
